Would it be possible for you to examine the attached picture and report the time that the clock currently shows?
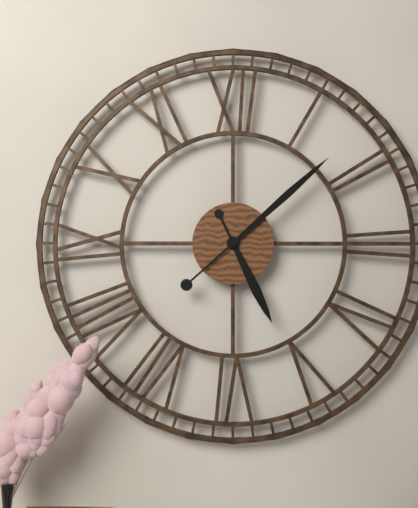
5:08
